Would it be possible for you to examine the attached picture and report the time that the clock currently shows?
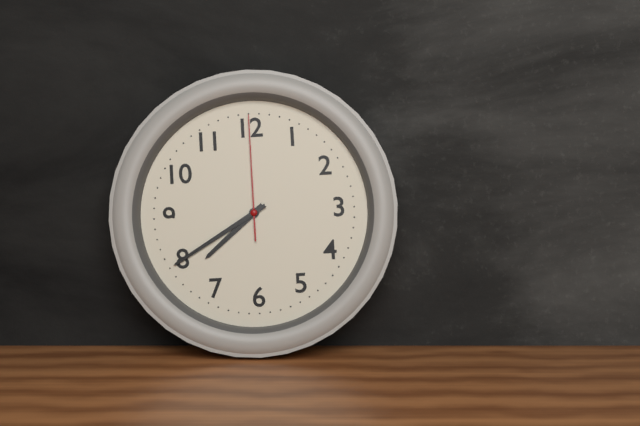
7:40:00
